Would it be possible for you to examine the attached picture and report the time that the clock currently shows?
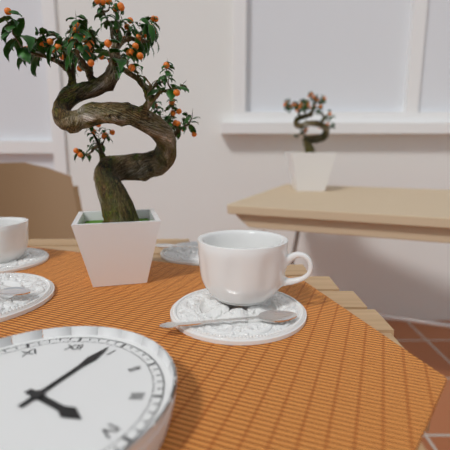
4:04
